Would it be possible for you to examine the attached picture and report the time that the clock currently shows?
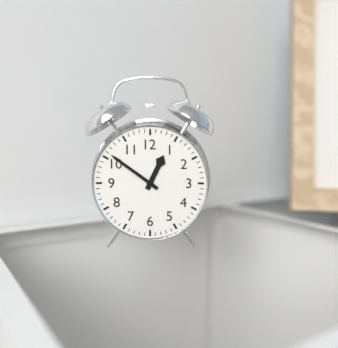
12:51
